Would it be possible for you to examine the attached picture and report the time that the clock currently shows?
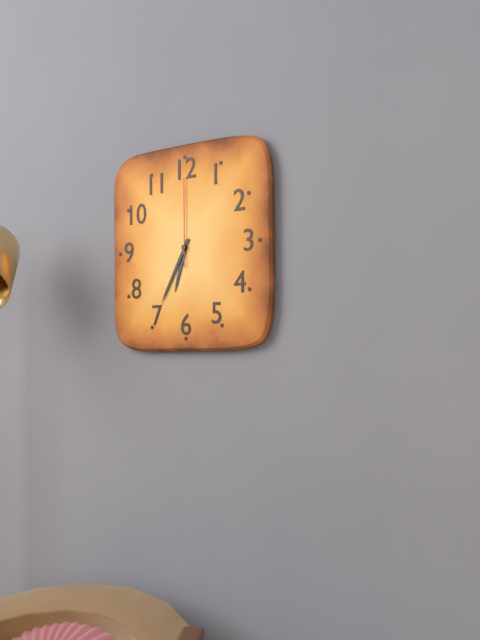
6:35:00
